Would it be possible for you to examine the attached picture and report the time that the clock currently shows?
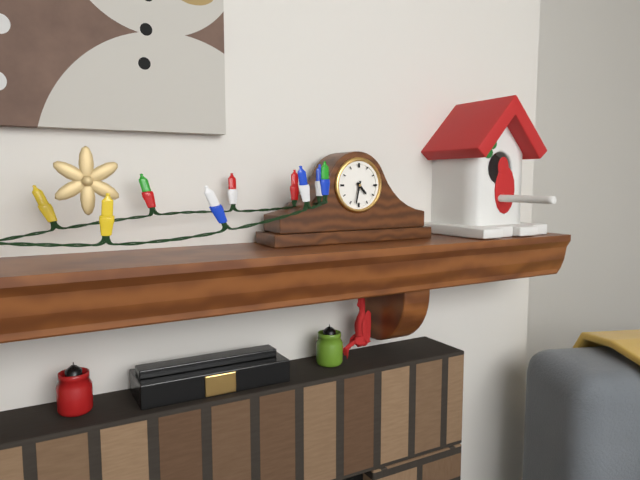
4:32
